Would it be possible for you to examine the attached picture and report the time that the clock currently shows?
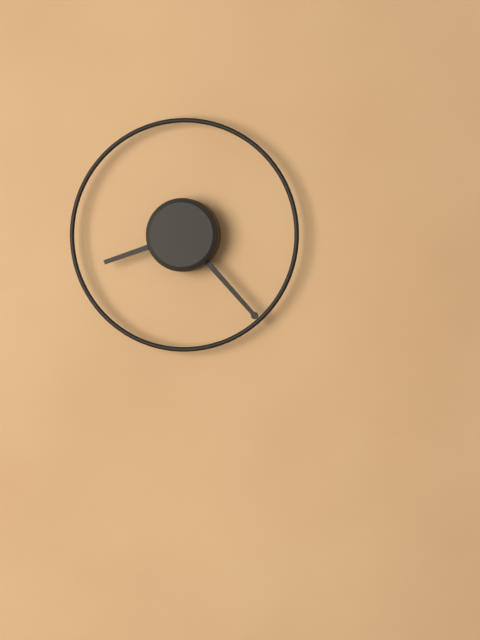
8:23
